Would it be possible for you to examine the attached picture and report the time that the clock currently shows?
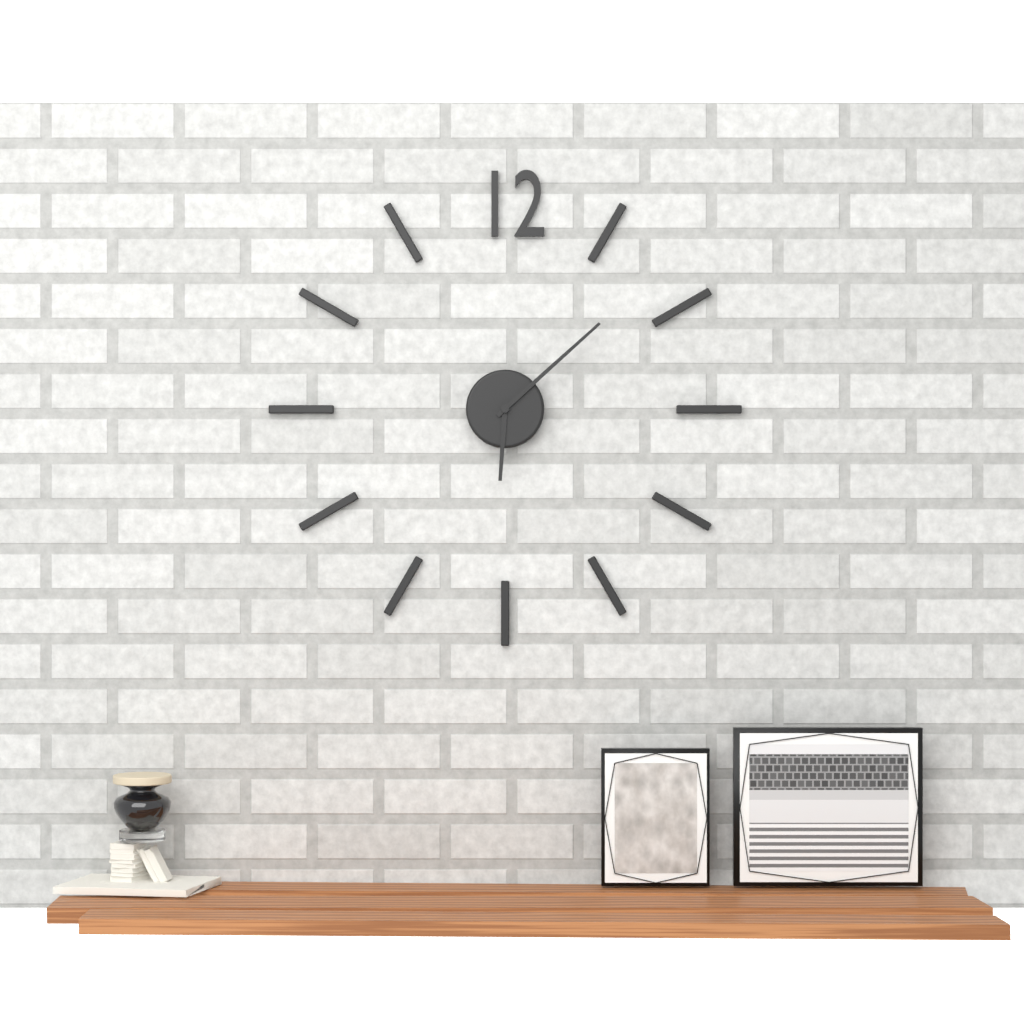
6:08
